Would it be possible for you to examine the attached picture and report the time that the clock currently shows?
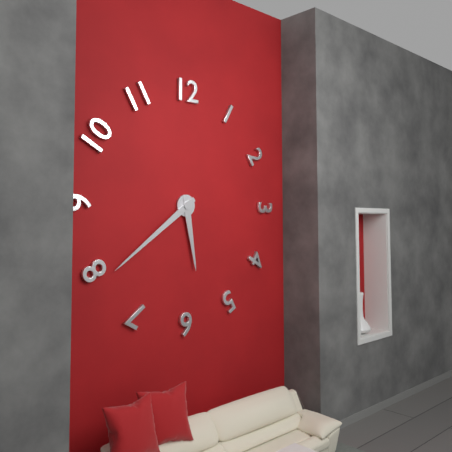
5:39
